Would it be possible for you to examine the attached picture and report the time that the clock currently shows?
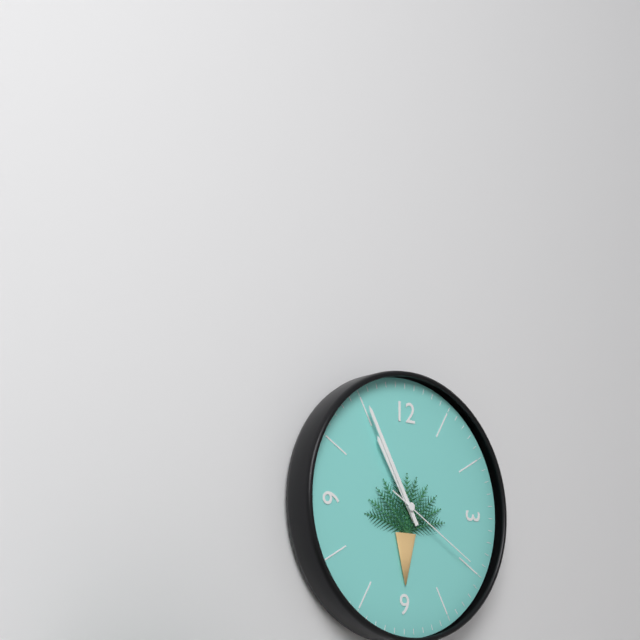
10:55:20
